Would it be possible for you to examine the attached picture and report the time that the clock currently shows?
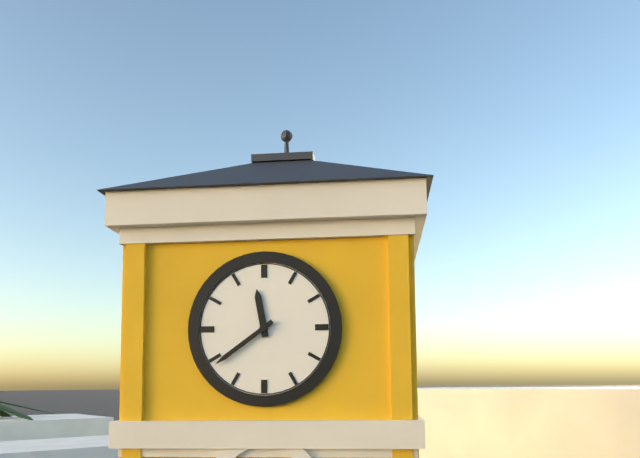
11:39
